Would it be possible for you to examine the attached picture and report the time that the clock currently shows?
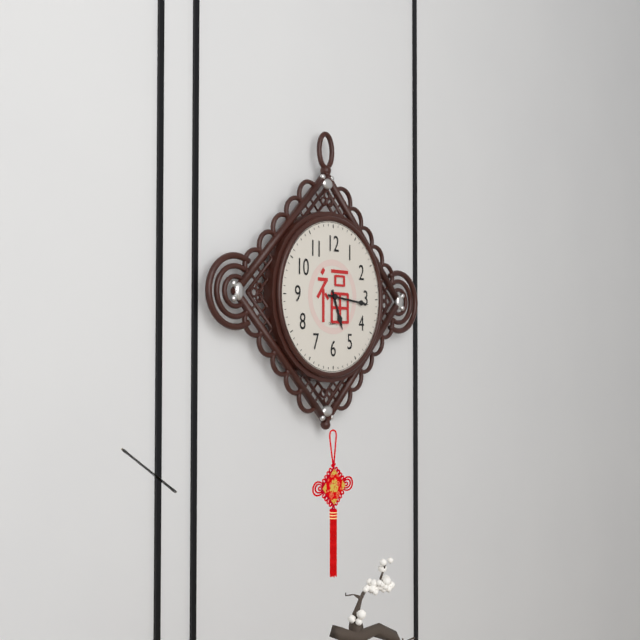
5:16
